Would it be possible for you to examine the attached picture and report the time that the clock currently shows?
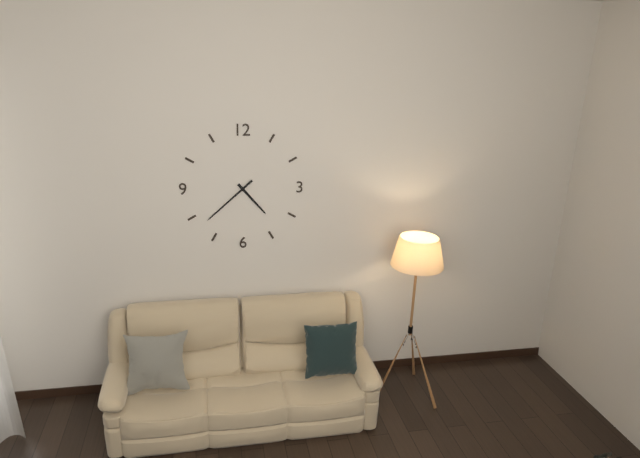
4:38
